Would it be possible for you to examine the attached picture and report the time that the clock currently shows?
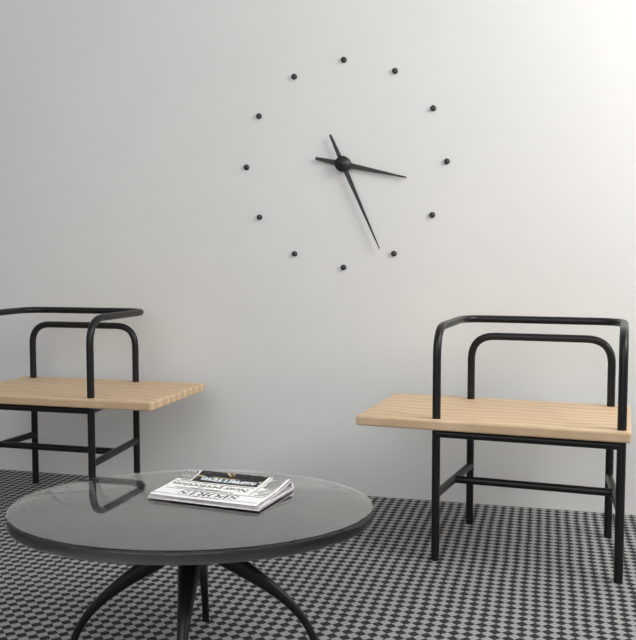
3:26
